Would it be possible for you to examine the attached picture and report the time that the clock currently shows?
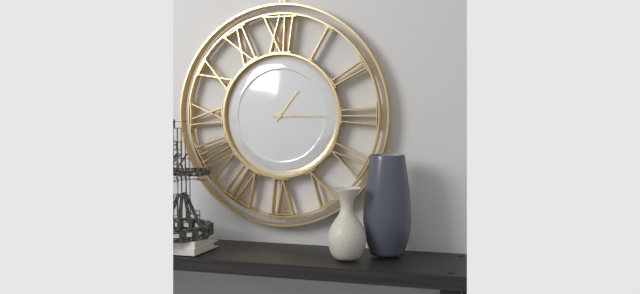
1:15
